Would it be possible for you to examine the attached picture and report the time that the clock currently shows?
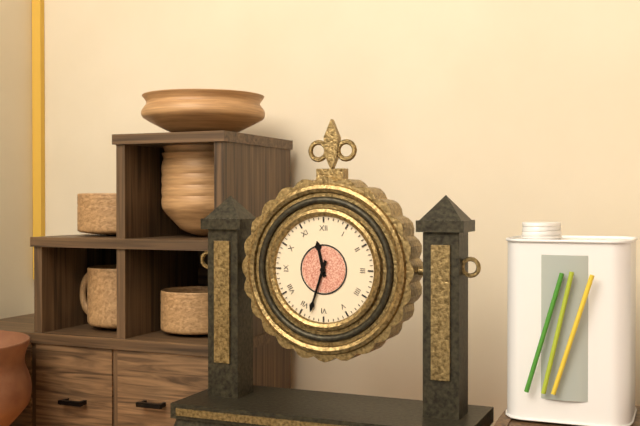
11:33
